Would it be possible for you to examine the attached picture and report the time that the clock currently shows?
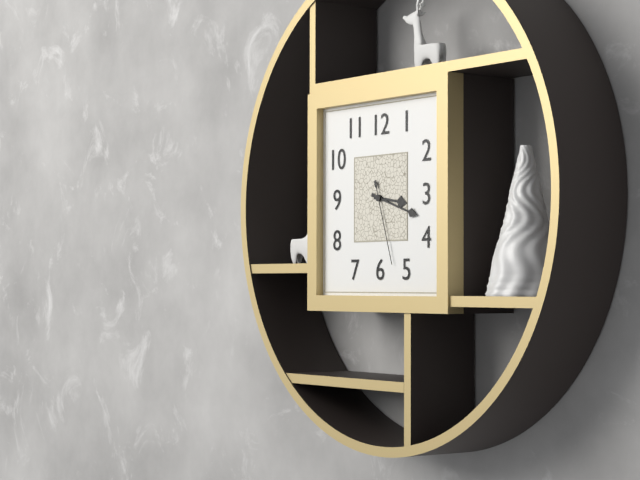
3:18:27
